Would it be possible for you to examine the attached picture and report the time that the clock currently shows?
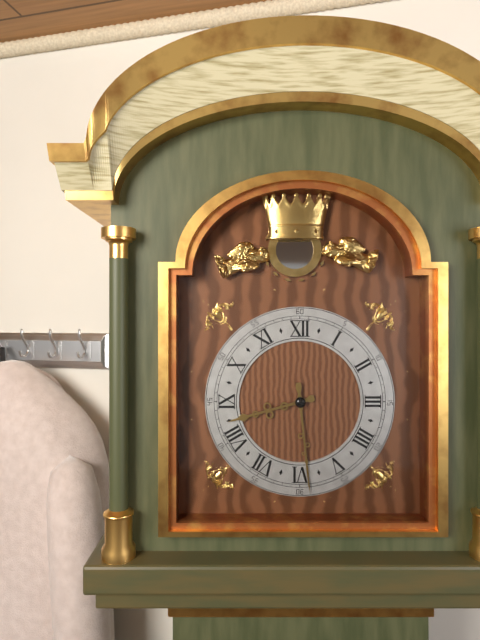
8:29
